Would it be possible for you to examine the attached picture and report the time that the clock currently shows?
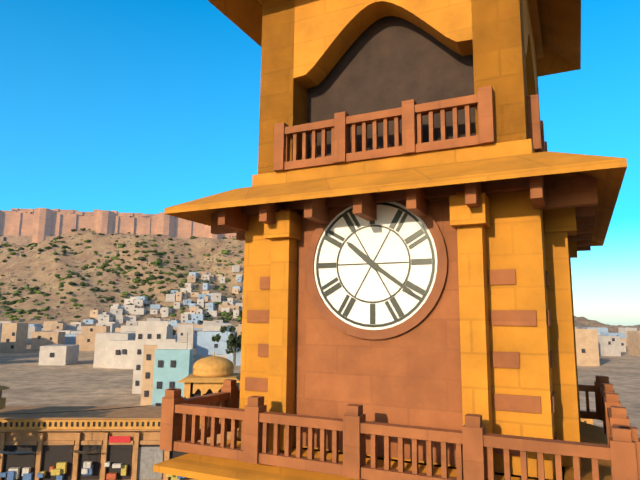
10:21
